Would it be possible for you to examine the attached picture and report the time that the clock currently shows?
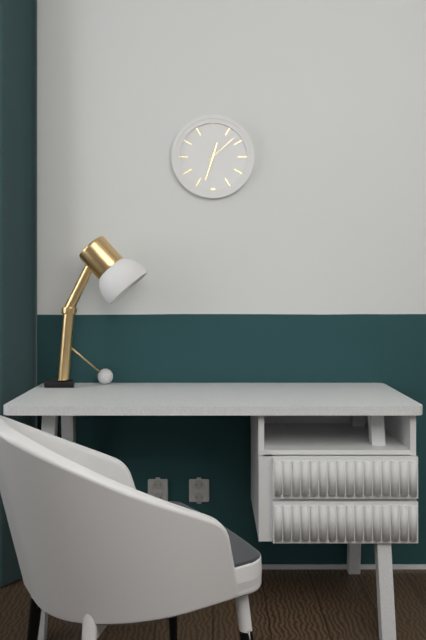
12:33
